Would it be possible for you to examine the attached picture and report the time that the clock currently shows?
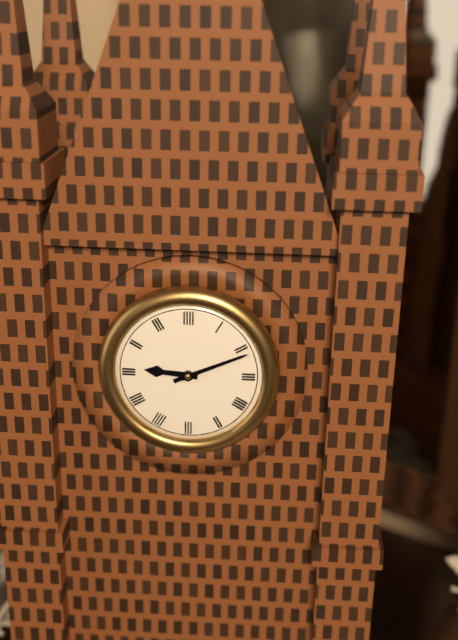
9:11
